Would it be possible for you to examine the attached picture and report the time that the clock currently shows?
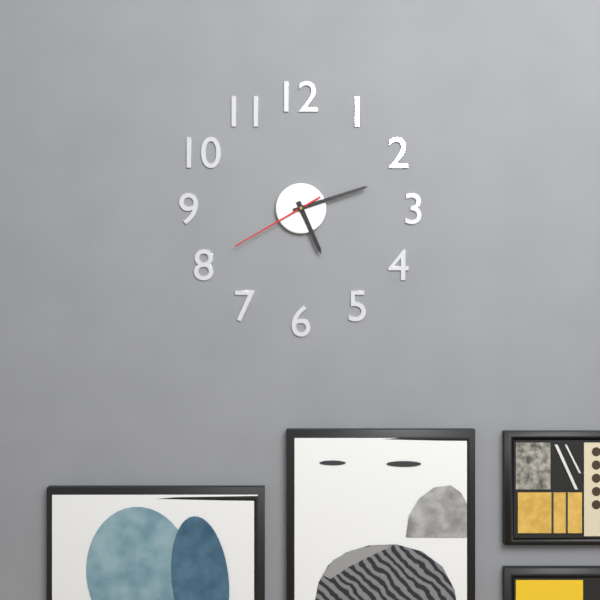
5:12:40
